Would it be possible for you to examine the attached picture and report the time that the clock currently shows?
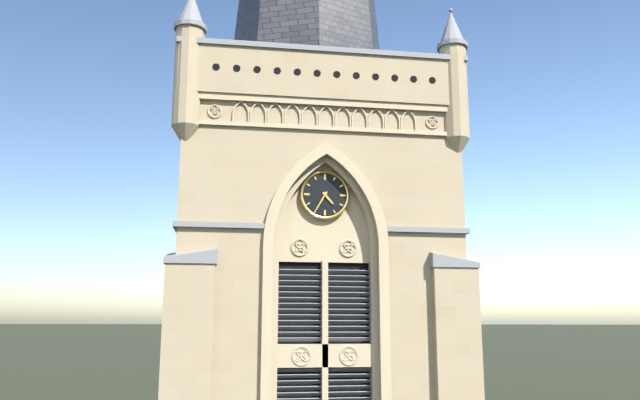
4:35
